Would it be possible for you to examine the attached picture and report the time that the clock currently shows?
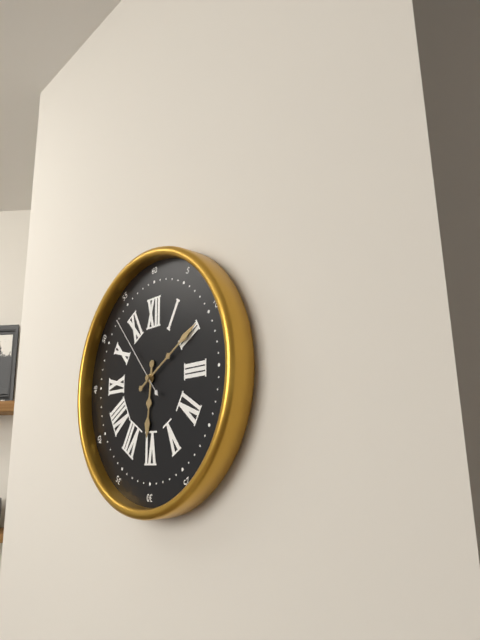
6:10:53
